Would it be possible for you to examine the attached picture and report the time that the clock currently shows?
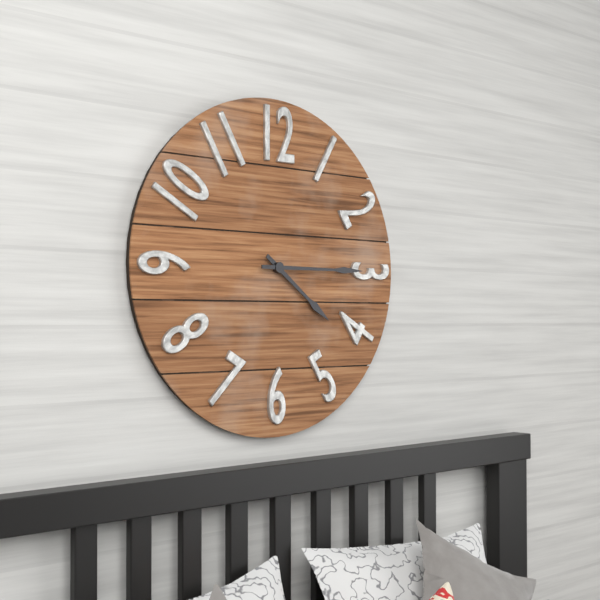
4:15
